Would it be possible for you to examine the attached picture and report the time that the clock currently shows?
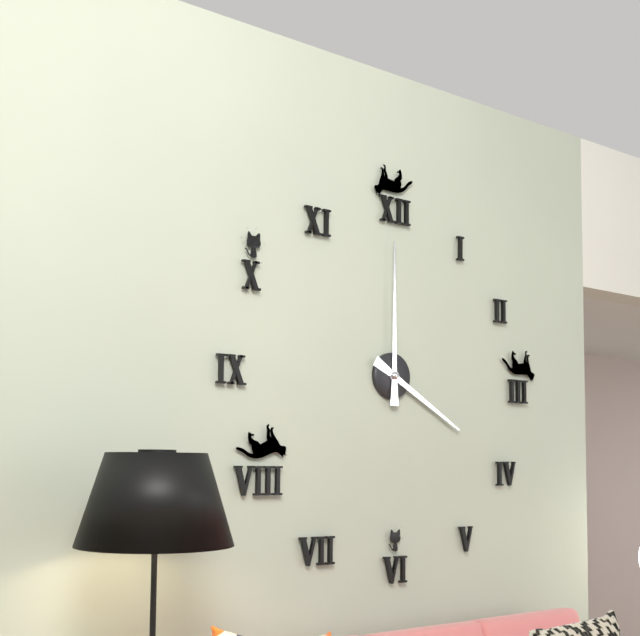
4:00
